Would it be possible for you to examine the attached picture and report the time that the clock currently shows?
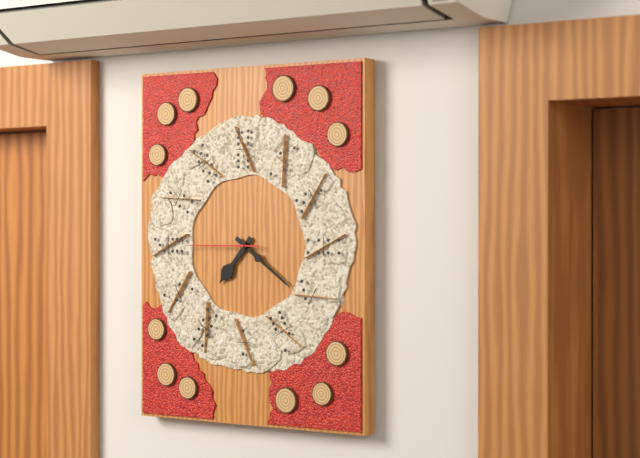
7:21:45
